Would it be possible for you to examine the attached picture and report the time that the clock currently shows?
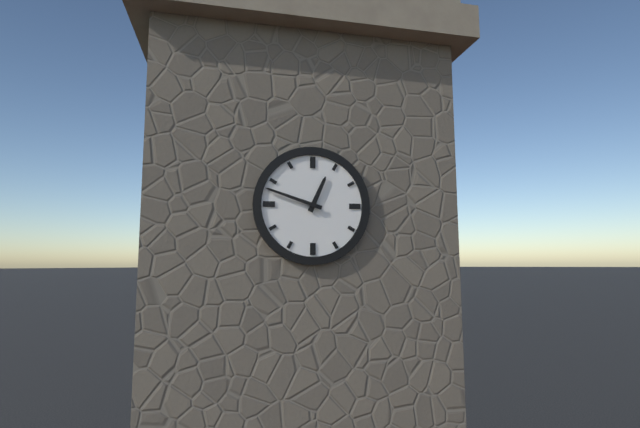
12:48
